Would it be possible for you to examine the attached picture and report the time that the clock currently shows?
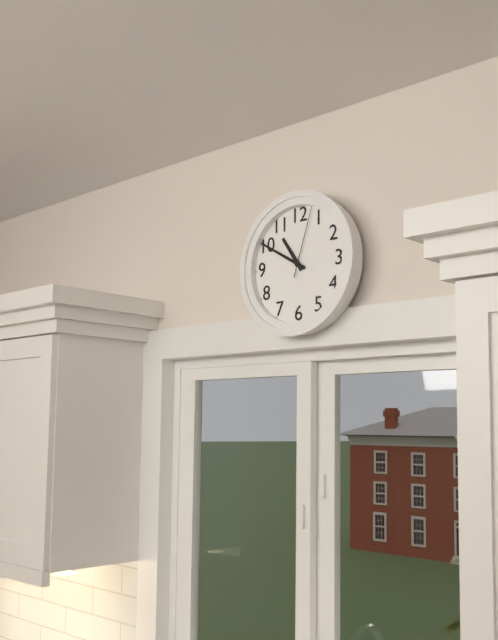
10:50:03
